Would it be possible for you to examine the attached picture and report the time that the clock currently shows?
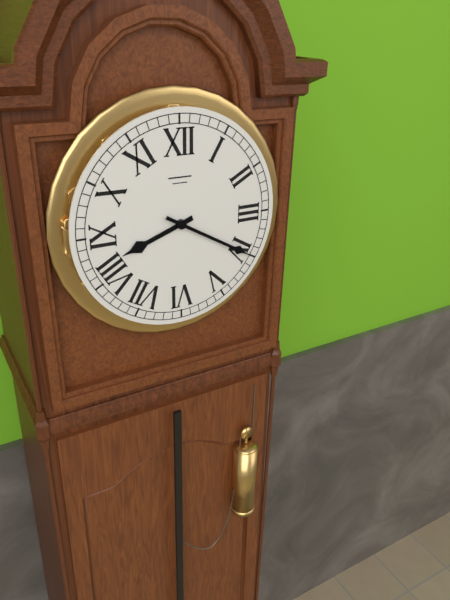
8:20
